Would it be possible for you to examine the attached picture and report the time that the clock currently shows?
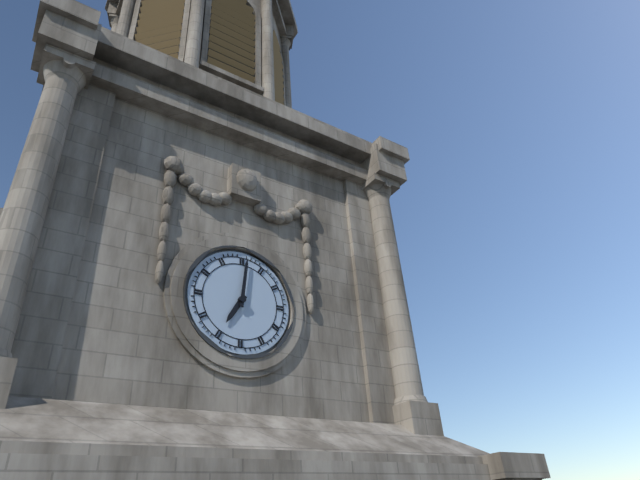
7:01
